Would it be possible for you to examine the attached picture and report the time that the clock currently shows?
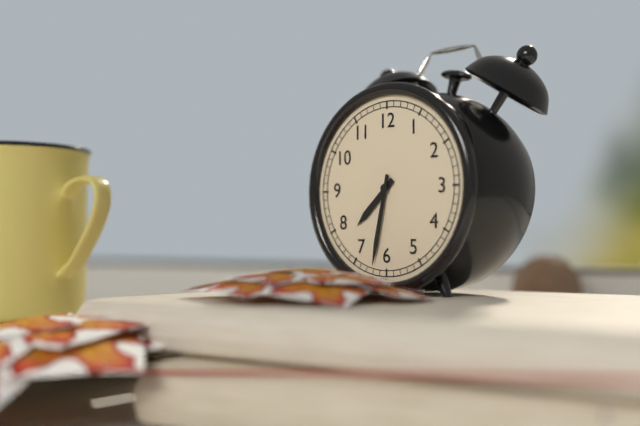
7:32
